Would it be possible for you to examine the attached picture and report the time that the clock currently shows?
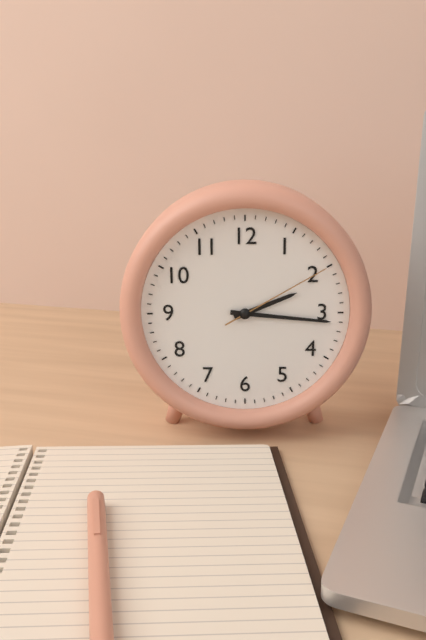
2:16:10
